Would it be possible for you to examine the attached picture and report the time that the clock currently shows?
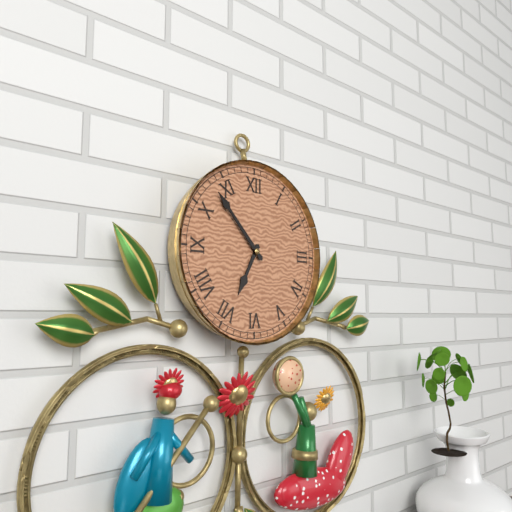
6:53
